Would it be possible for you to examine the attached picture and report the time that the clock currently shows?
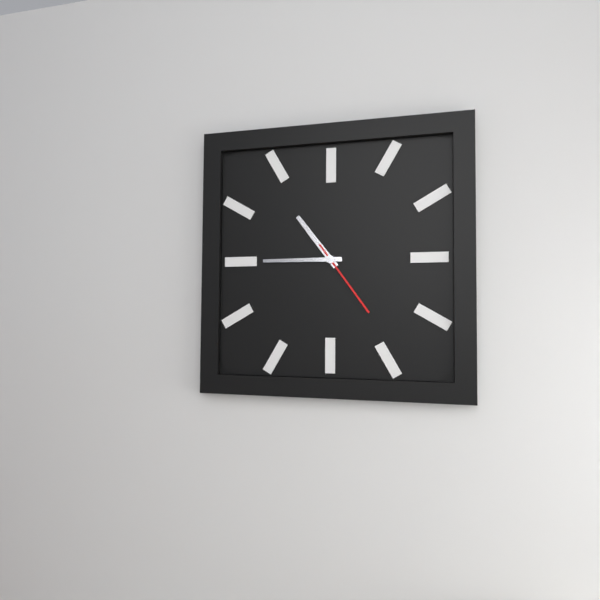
10:45:24
